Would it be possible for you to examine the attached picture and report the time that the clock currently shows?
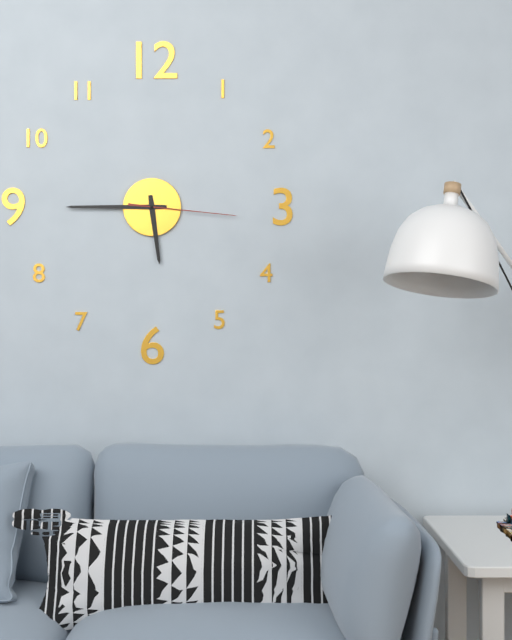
5:45:16
